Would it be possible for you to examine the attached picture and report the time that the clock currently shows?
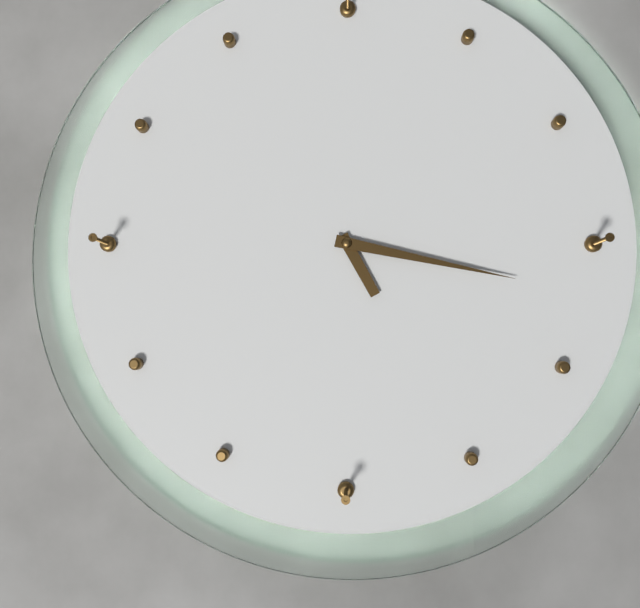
2:02
